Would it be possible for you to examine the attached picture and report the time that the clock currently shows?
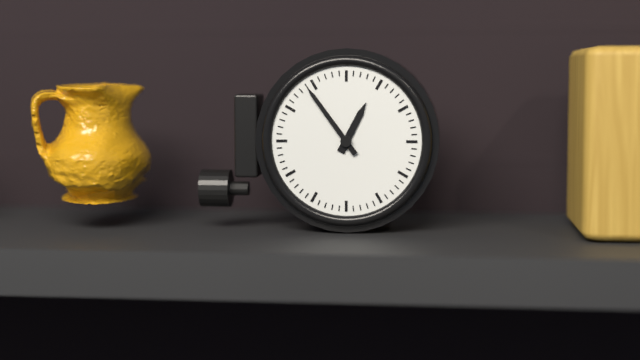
12:54
